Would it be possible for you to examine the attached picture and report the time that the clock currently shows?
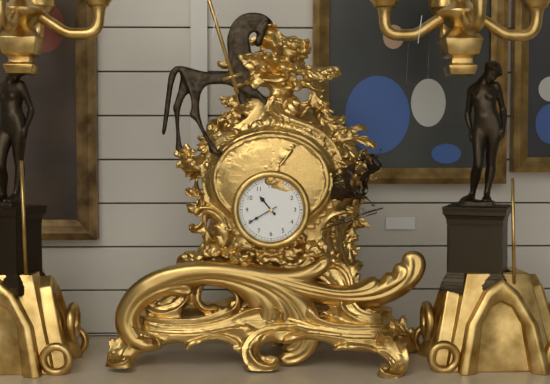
10:40
